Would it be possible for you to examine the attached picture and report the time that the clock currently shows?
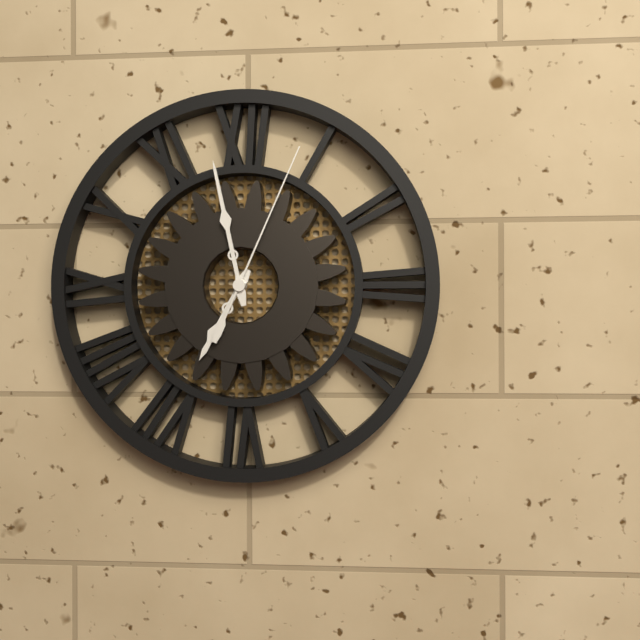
6:58:04
